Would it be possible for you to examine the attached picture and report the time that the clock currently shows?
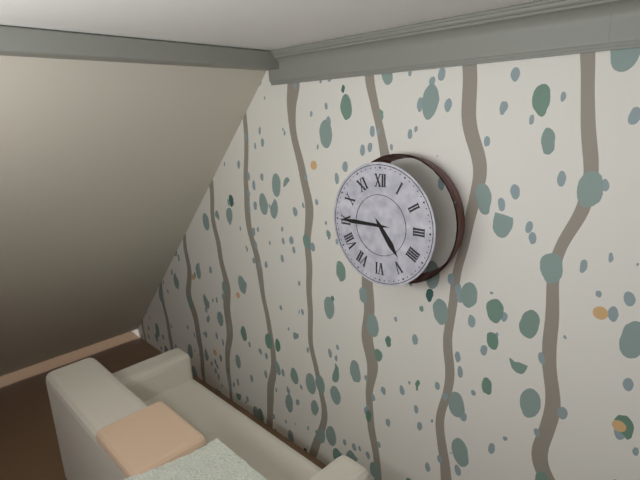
4:45
